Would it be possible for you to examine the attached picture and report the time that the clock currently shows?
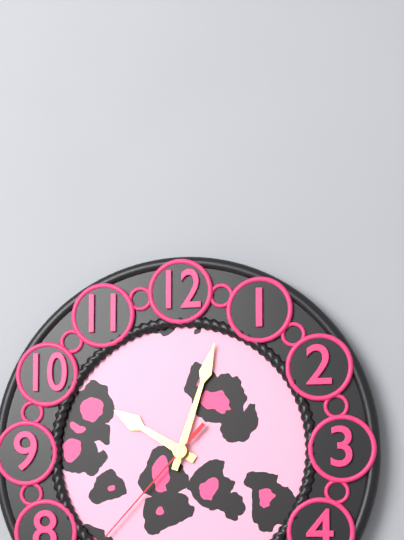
10:03:37
